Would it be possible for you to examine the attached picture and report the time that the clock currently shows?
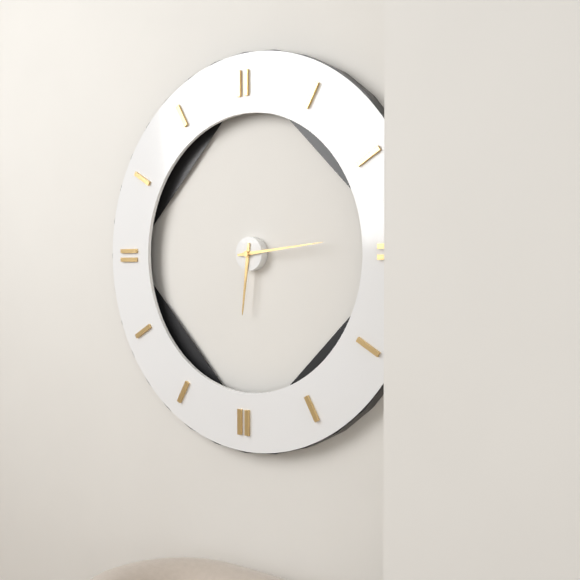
6:14
